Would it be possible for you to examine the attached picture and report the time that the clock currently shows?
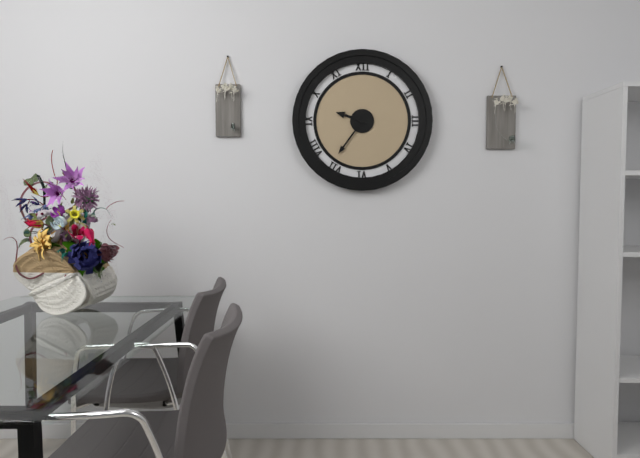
9:36
